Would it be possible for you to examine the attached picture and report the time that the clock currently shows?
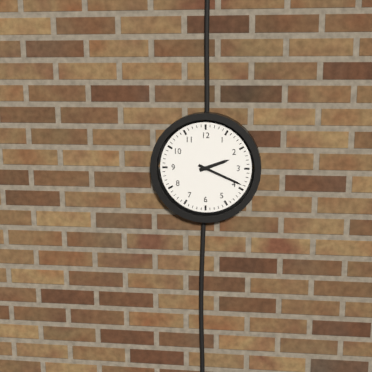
2:19
